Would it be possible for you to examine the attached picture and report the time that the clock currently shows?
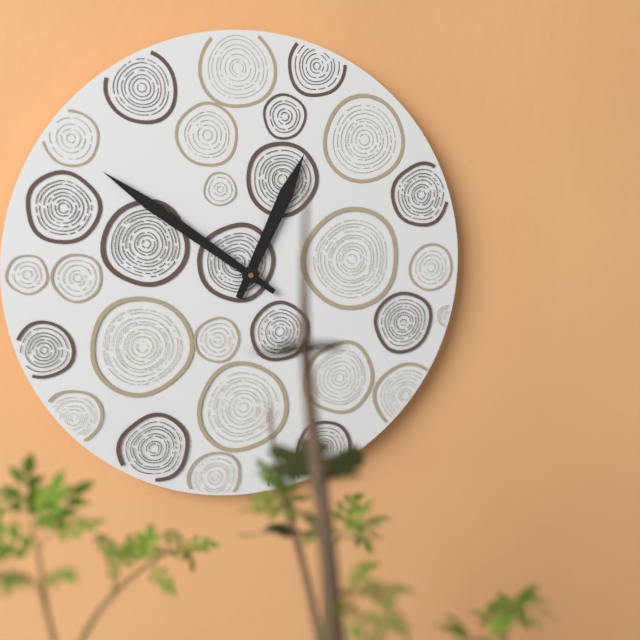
12:51
